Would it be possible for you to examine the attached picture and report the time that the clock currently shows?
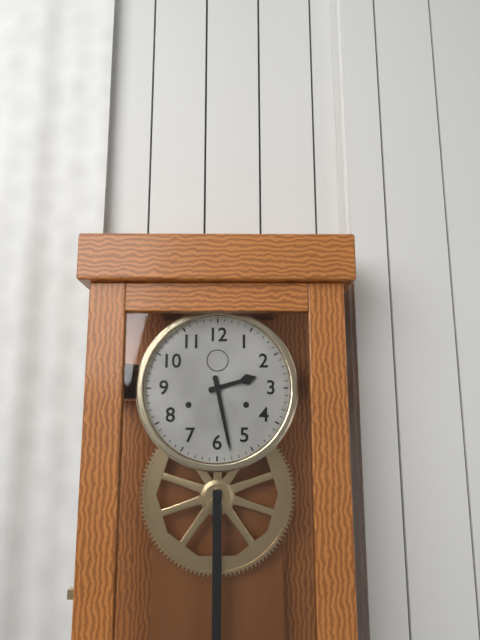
2:28
